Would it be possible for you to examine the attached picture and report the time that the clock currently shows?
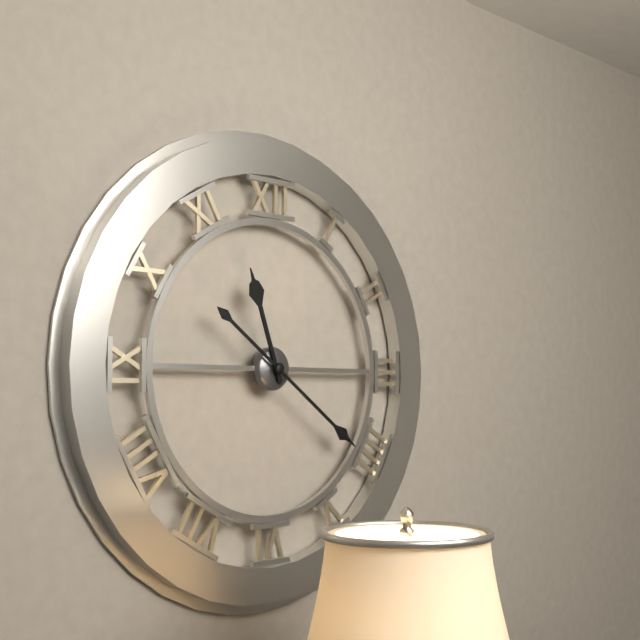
11:21
